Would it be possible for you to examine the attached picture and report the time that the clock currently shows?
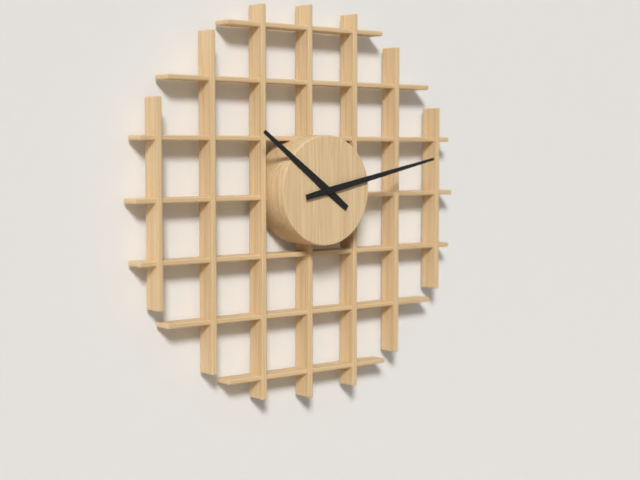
10:13
